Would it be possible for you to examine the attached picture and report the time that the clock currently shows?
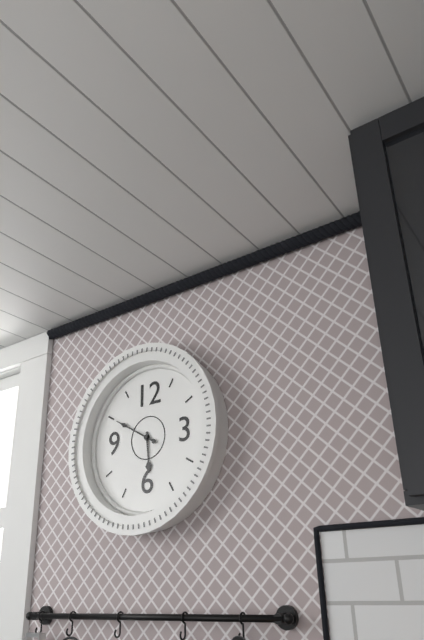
5:50
